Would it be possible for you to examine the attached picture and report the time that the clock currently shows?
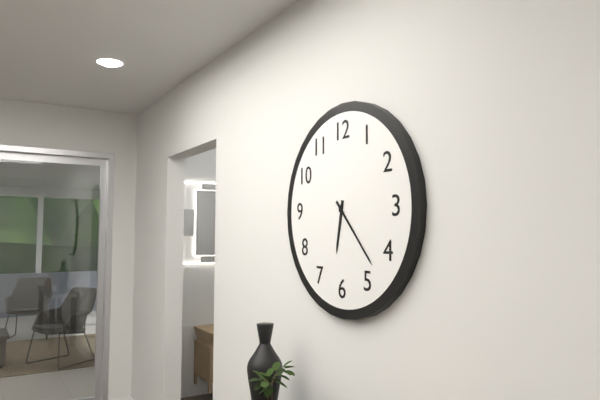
6:23
